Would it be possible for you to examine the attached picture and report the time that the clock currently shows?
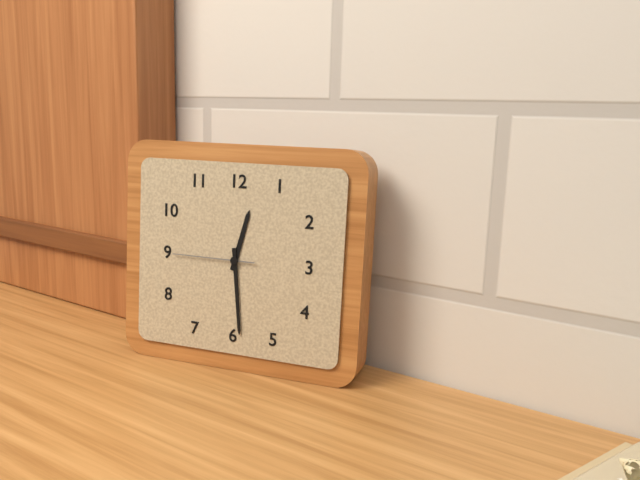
12:29:45
